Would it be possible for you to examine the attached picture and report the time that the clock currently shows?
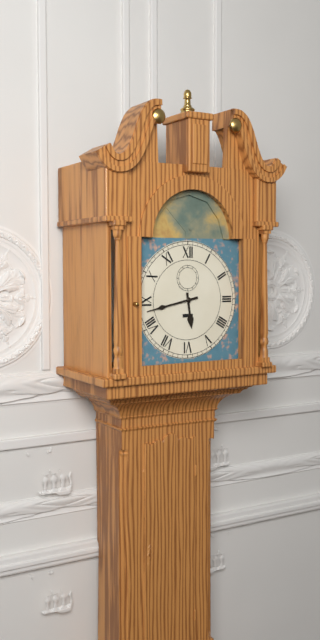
5:43
